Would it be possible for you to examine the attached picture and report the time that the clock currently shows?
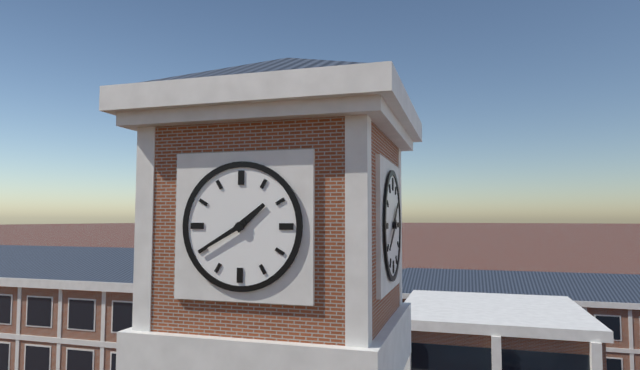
1:40
